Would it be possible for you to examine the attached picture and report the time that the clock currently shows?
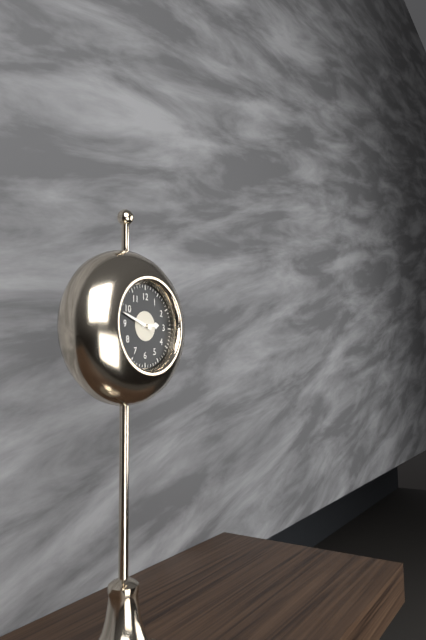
2:48
